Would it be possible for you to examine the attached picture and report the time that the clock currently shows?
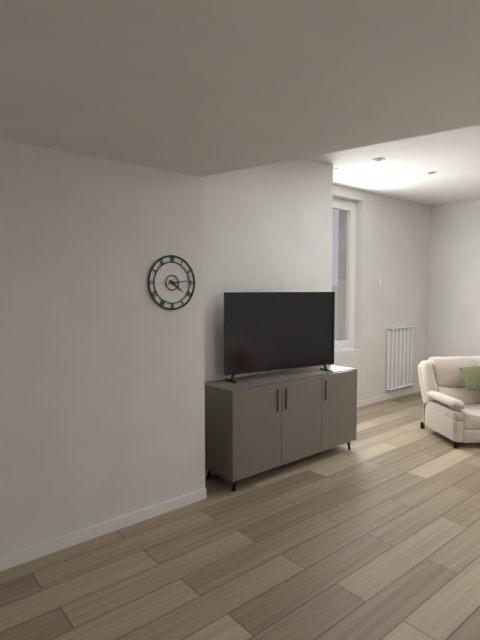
4:14
